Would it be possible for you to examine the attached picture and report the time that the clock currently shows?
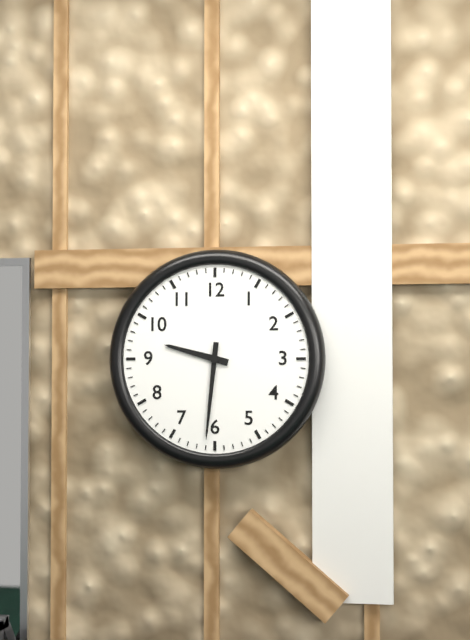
9:31
